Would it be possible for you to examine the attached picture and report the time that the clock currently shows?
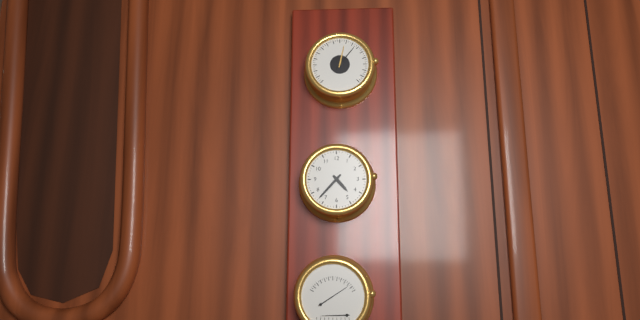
4:37
